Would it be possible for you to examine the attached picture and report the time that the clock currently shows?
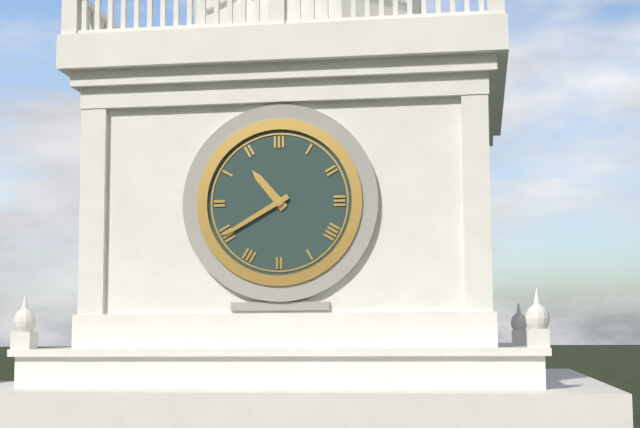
10:40
